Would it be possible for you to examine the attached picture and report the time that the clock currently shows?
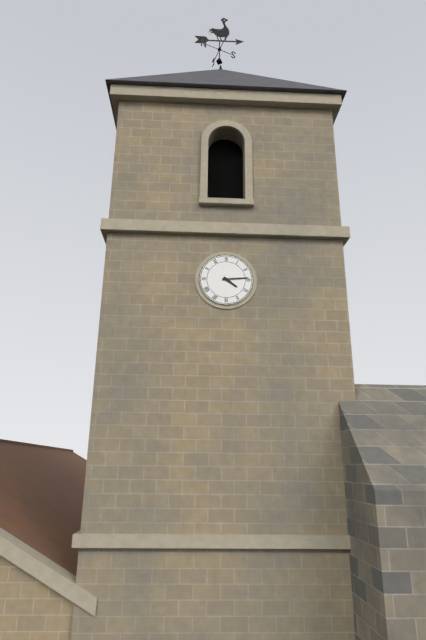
4:14
